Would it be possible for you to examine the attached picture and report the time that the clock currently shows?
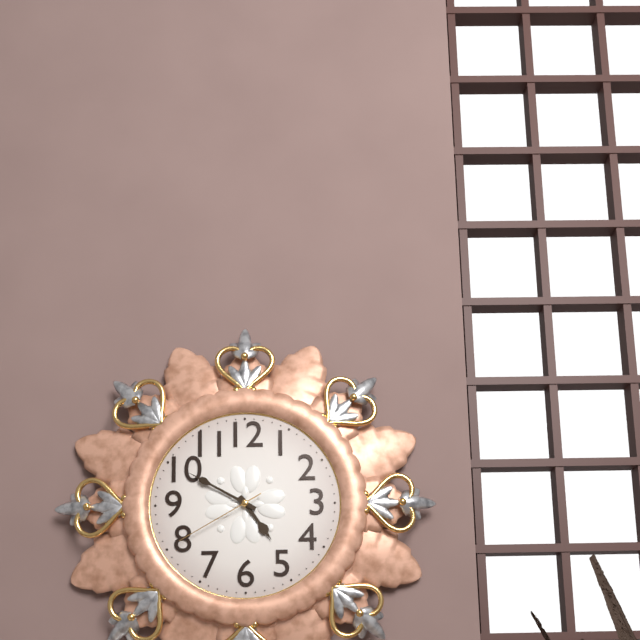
4:50:40
